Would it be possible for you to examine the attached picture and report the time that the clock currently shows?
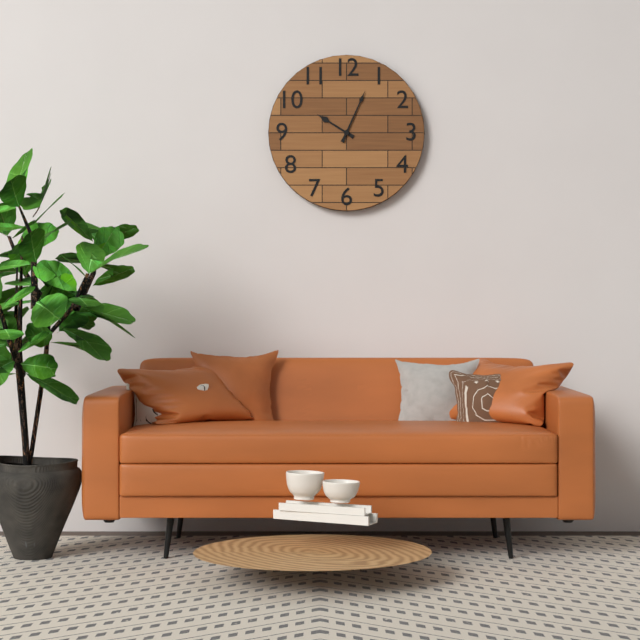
10:04
